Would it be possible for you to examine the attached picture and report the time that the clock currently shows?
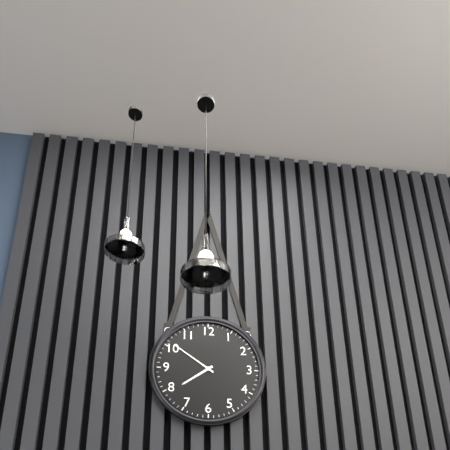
7:51
